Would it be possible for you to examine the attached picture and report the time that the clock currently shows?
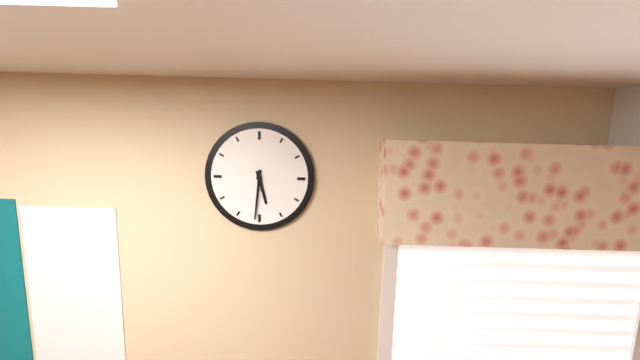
5:31
